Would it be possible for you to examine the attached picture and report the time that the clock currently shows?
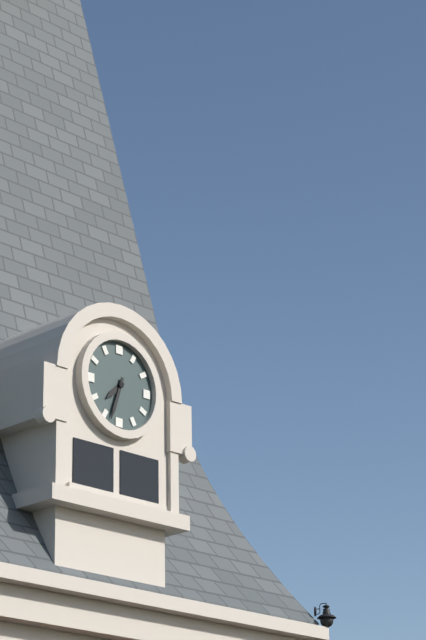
7:33
